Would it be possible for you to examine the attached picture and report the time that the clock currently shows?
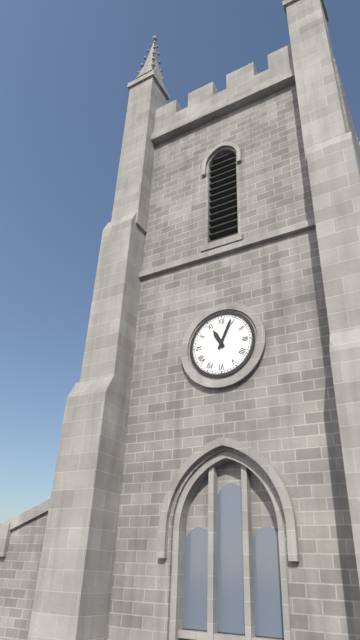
11:04
